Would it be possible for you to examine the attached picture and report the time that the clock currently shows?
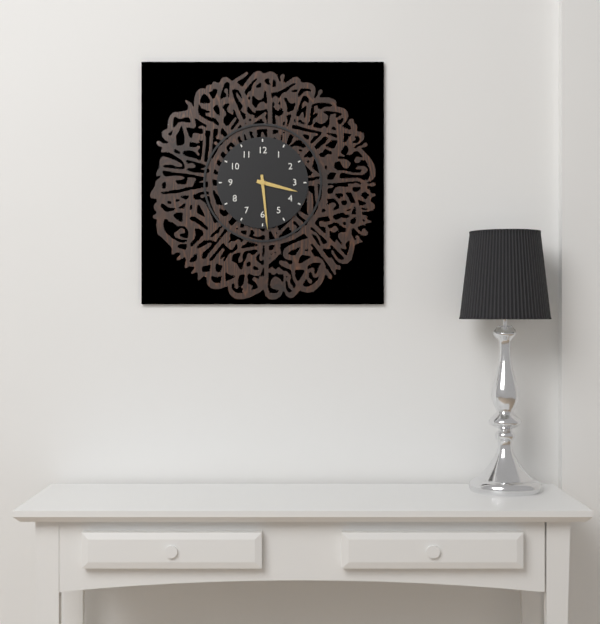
3:29
